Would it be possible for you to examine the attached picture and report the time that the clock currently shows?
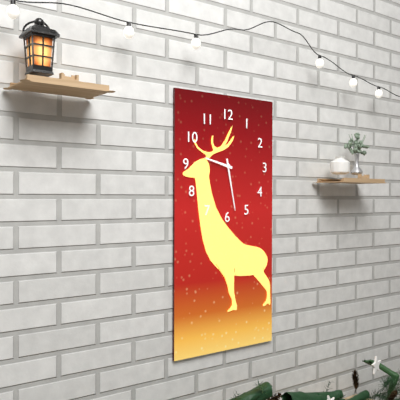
9:28
